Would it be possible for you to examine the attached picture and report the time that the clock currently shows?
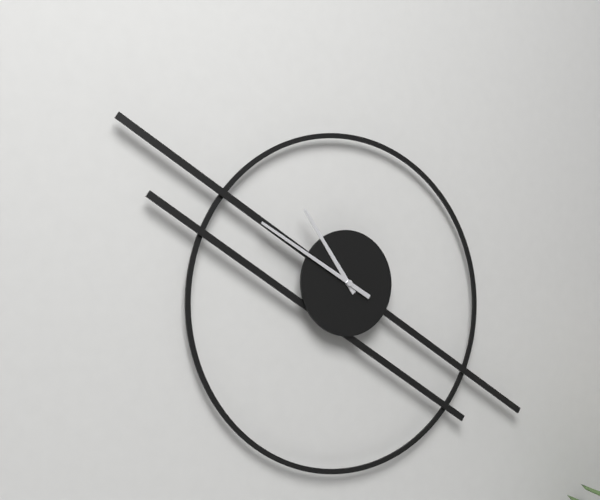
10:50
